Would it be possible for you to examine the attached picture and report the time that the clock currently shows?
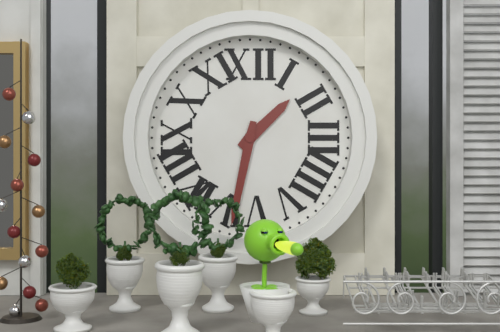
1:32
